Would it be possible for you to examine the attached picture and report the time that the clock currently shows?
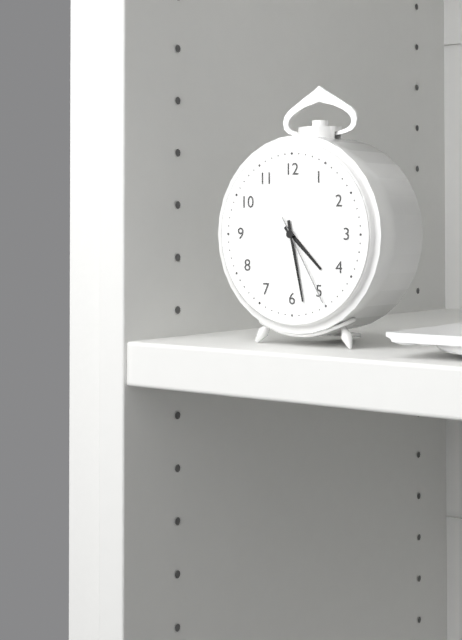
4:28:25
